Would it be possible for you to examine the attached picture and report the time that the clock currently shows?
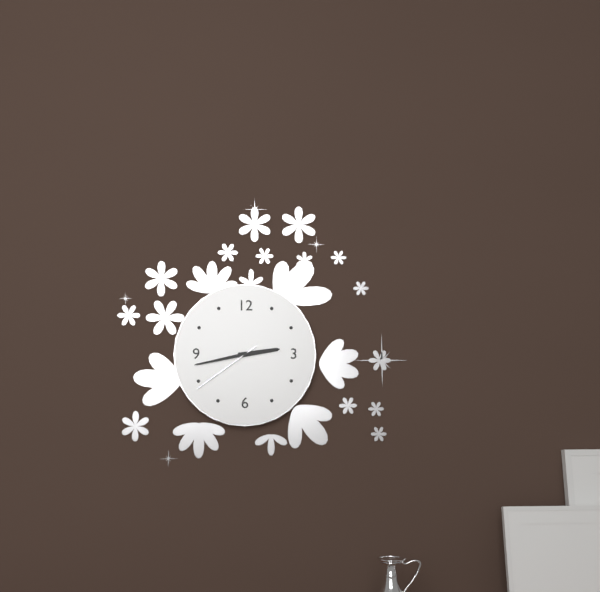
2:43:39
